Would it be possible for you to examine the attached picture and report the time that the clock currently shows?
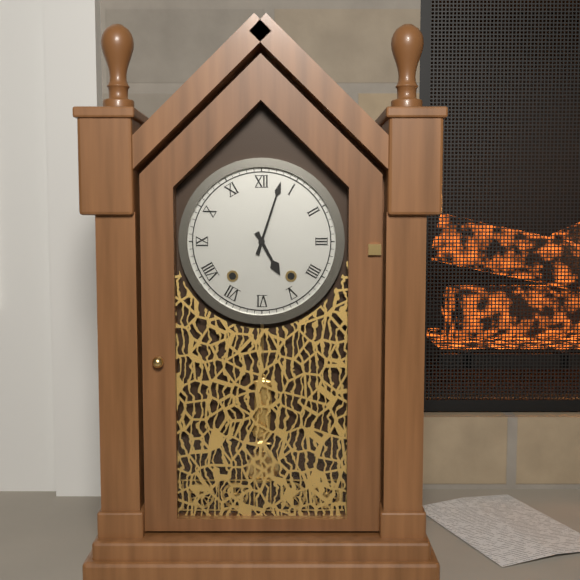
5:03
